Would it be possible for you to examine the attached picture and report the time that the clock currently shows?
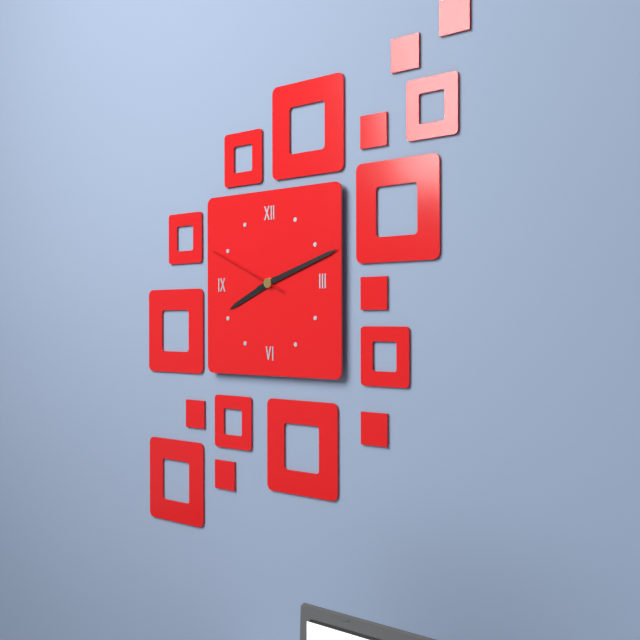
8:12:49
